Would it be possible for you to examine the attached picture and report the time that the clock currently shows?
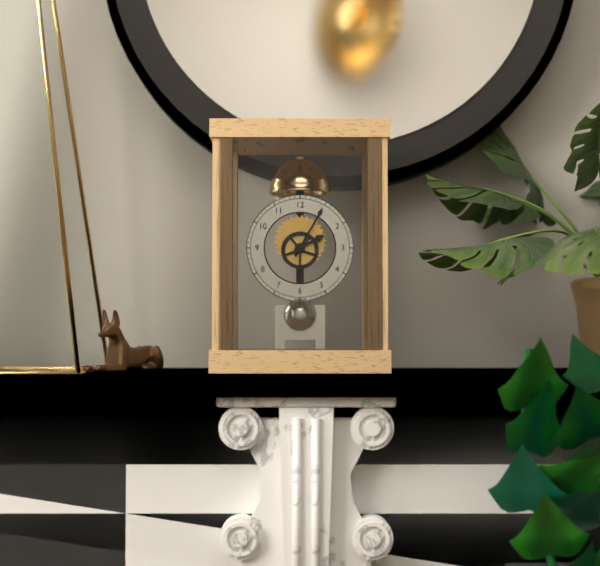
2:05
